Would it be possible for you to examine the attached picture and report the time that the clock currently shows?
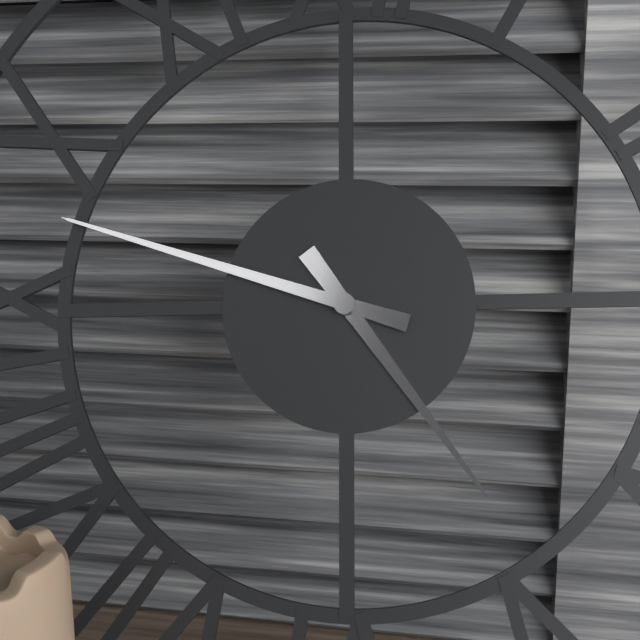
4:48
